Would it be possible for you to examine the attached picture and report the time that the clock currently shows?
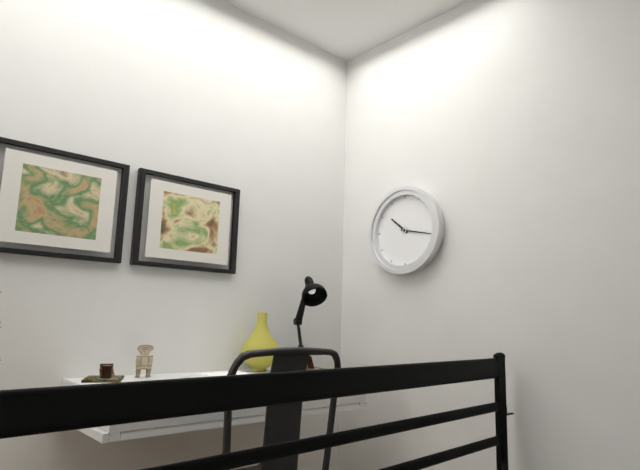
10:17
